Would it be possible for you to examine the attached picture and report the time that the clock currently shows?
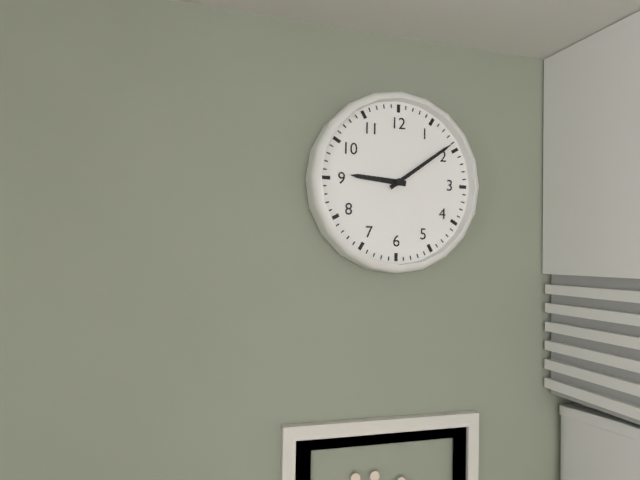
9:09
